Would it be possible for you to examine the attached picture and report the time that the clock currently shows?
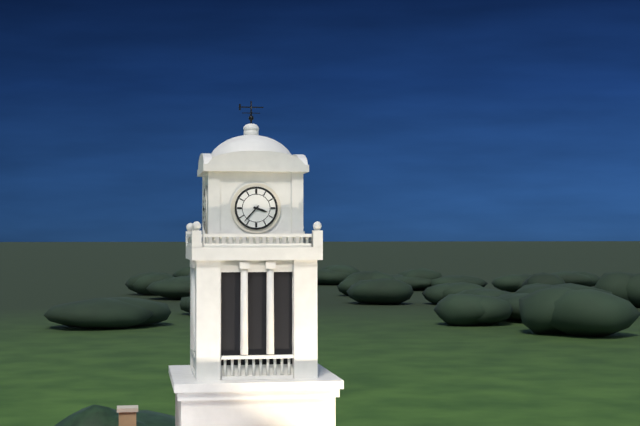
3:37
